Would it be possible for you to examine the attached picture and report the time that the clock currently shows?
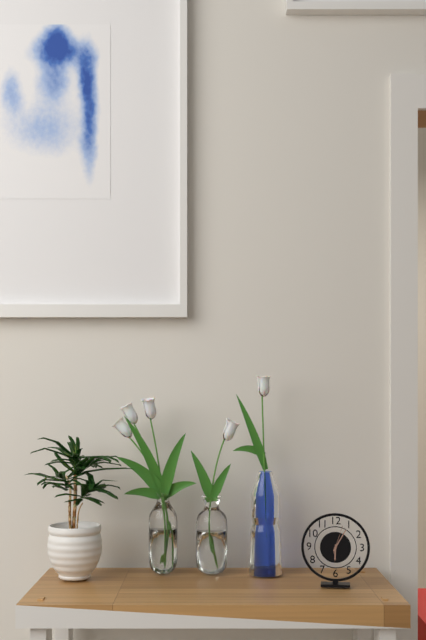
6:05
